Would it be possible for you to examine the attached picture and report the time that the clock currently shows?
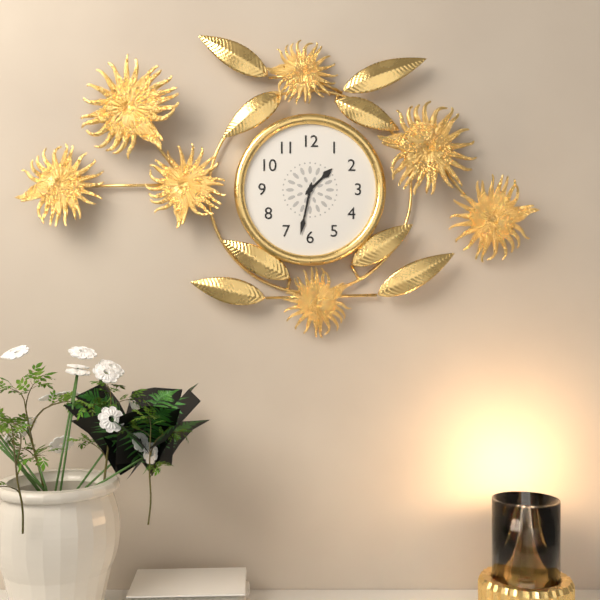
1:32
